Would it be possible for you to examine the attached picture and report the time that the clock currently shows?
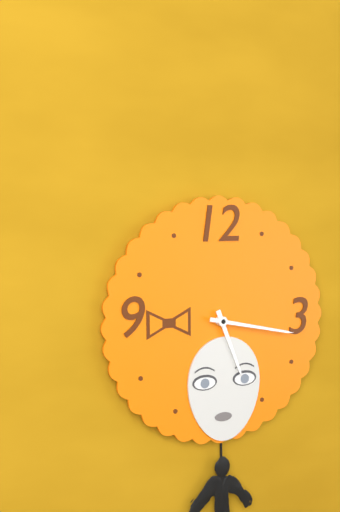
5:17
